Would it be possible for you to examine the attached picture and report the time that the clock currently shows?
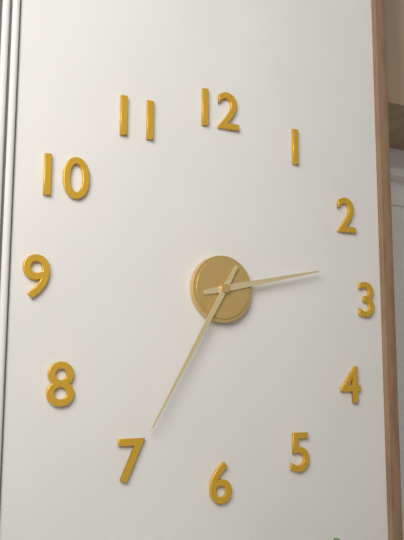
2:35
